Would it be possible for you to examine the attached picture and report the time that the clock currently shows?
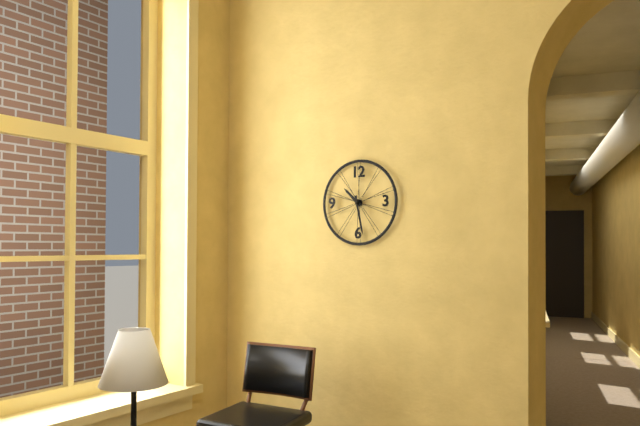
10:28
